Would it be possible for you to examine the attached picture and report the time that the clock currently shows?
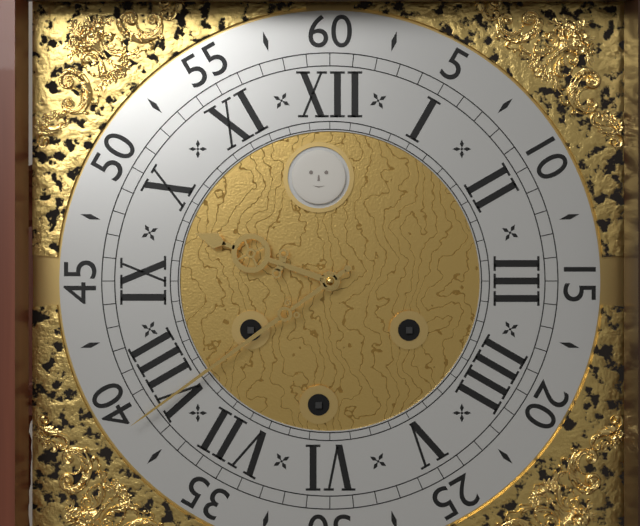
9:39
